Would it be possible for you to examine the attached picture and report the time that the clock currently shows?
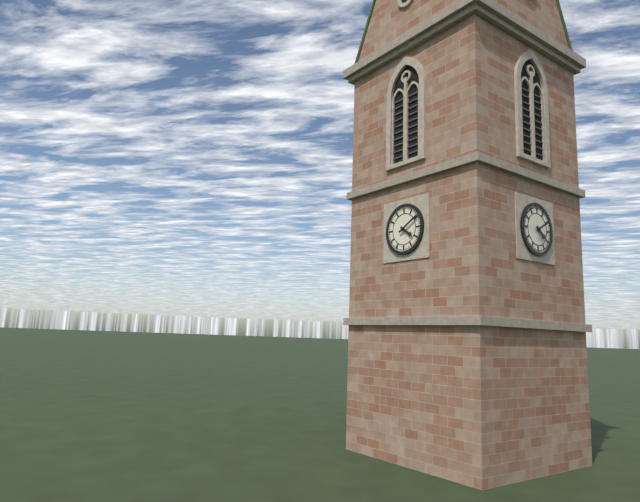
4:10
